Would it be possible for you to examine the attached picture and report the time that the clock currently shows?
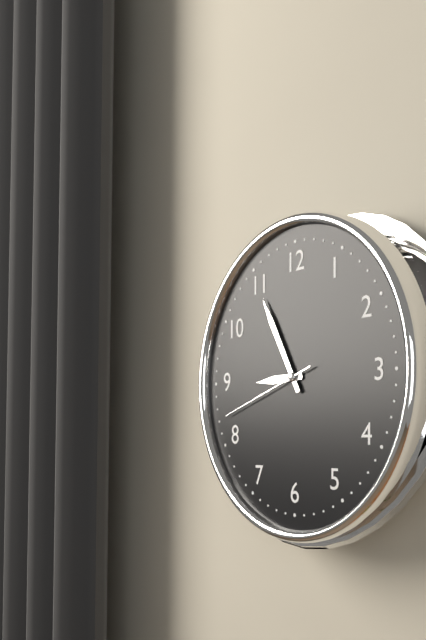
8:55:42
